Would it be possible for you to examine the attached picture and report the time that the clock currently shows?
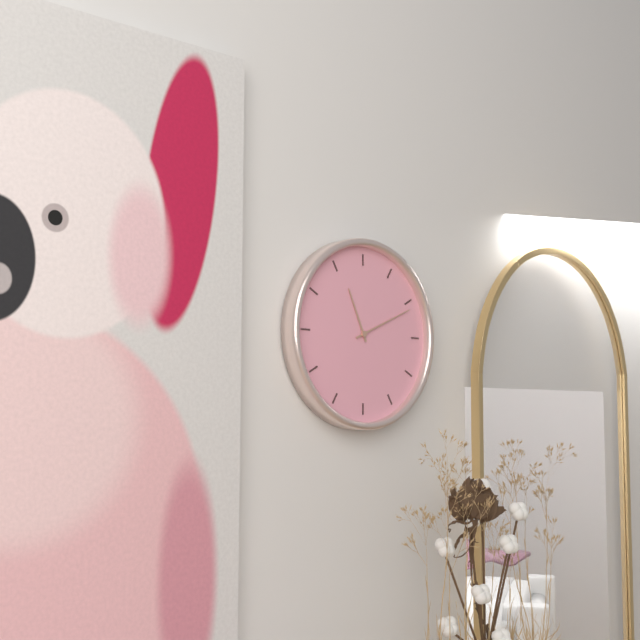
11:11
